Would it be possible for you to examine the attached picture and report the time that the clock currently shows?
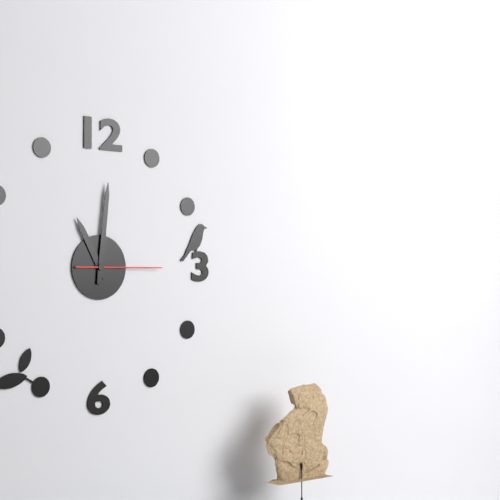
11:01
